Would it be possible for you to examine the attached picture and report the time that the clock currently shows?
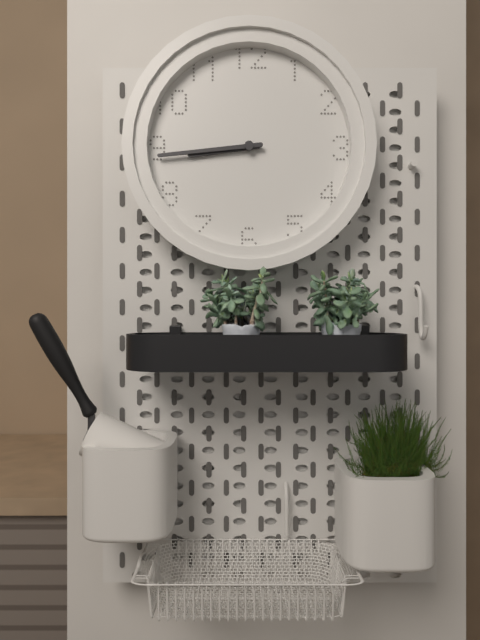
8:44
